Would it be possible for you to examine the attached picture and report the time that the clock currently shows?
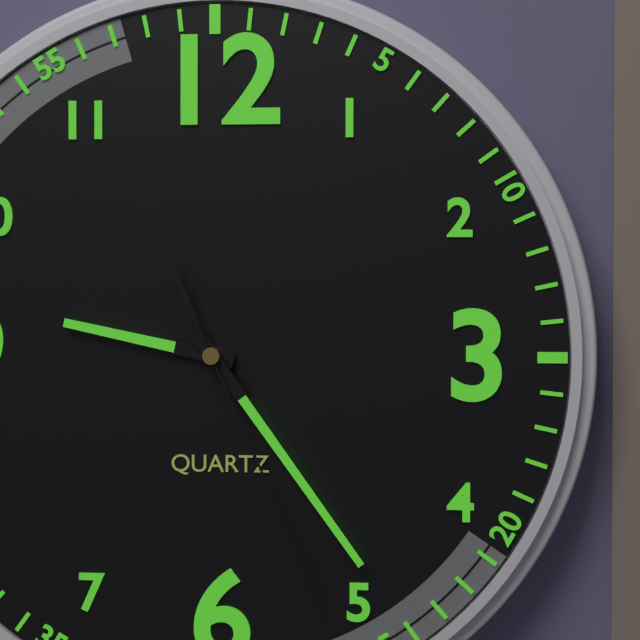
9:24:26
